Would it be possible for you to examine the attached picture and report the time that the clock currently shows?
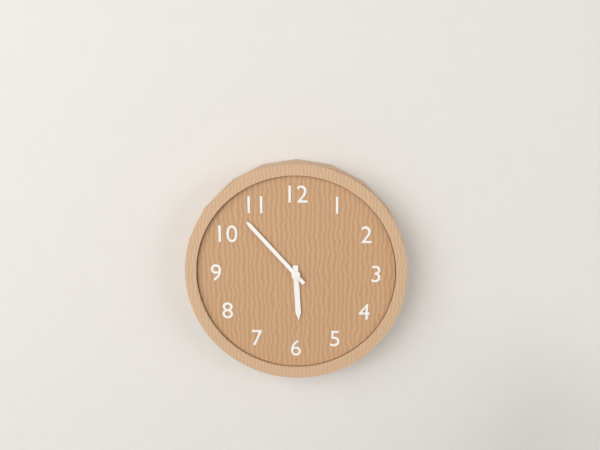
5:53
